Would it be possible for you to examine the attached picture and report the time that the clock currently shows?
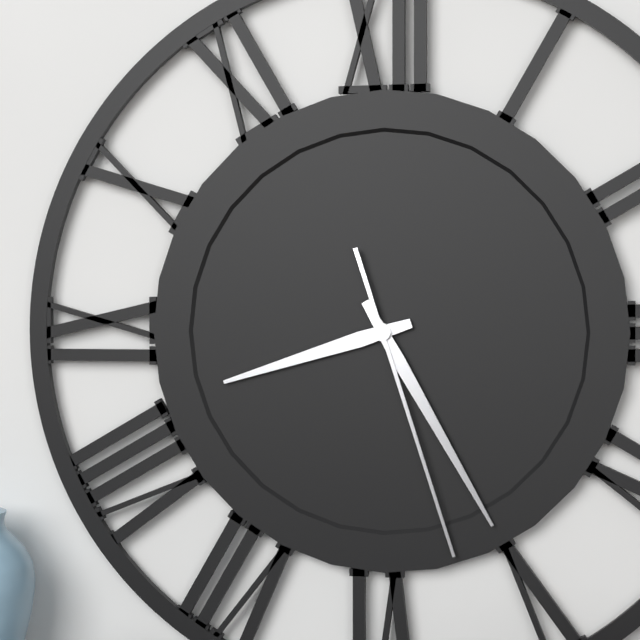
8:25:27
